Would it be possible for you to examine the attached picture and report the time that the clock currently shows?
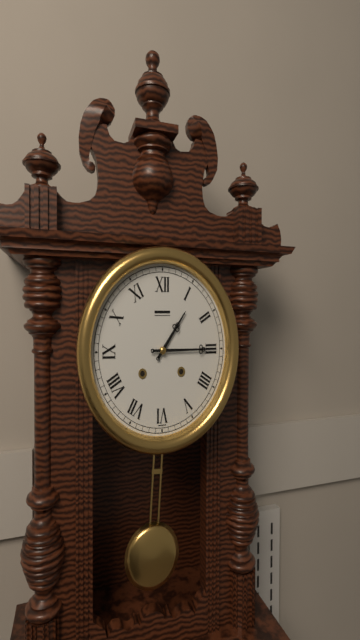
1:15
